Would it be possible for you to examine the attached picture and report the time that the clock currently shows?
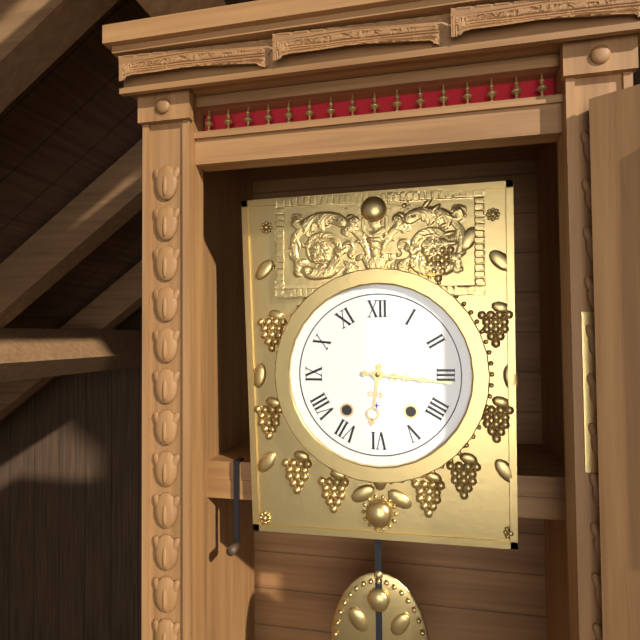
6:16
